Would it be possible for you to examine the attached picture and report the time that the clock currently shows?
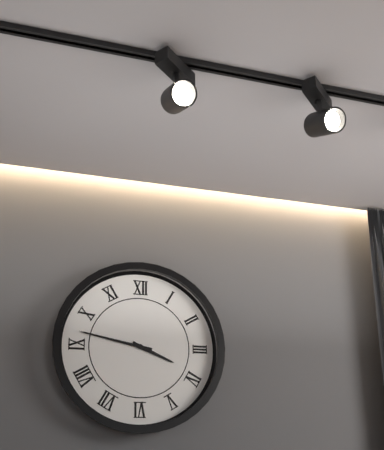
3:47
